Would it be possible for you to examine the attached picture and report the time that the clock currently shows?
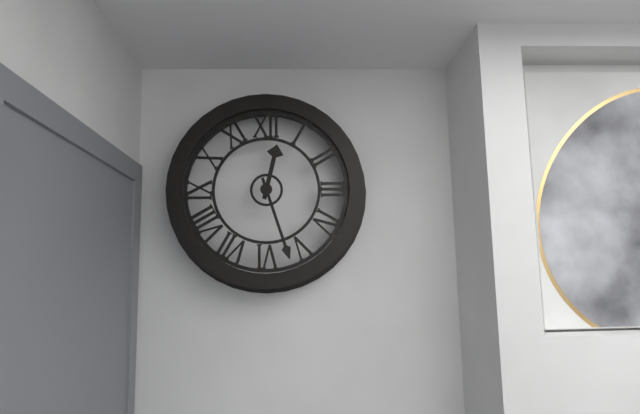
12:27
